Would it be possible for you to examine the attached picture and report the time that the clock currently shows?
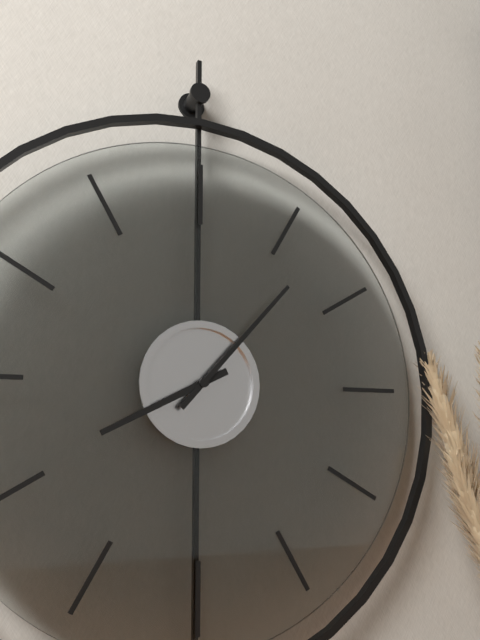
8:07
